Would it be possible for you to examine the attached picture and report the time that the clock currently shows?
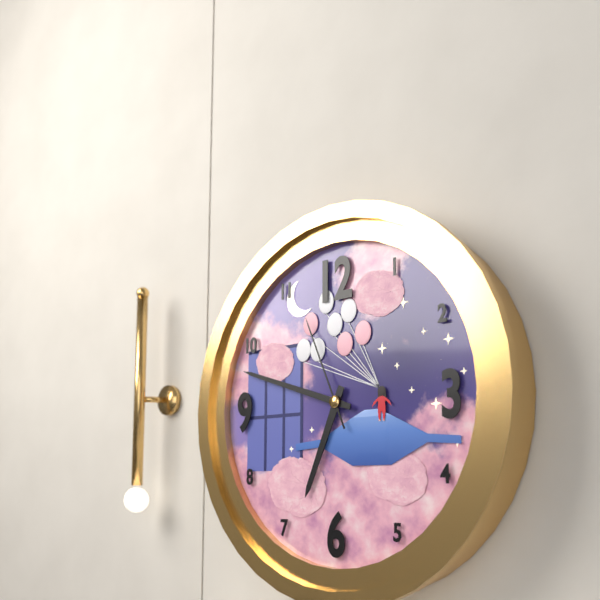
6:48:56
